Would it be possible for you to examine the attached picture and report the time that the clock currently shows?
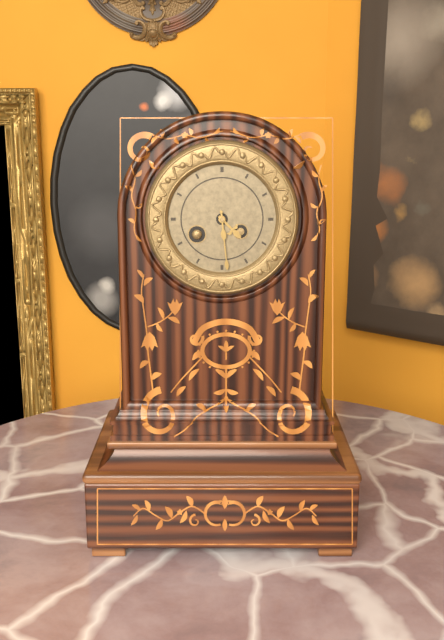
4:29
